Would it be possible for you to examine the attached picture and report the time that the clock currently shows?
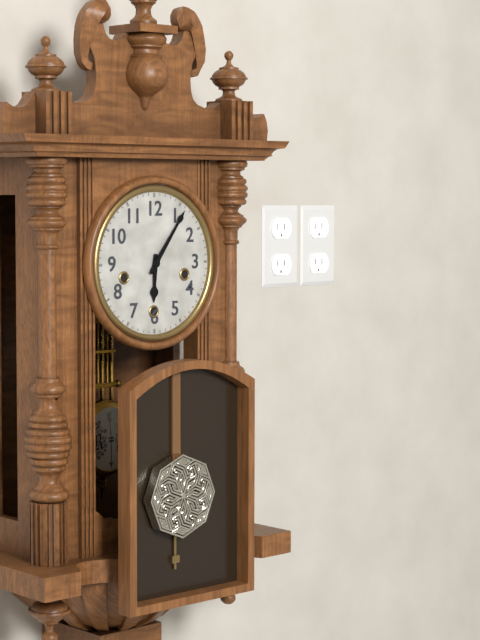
6:06
